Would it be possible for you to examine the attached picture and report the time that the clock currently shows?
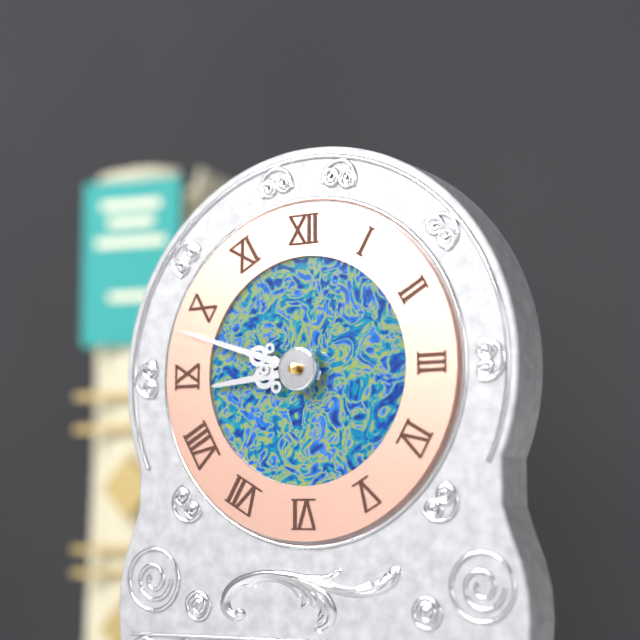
8:48
